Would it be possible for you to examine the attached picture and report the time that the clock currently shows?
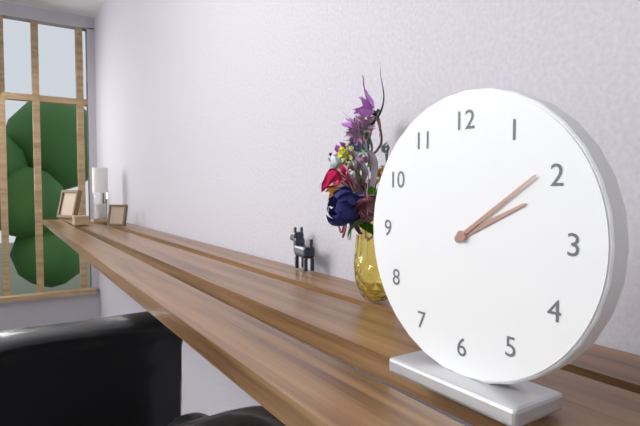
2:09
